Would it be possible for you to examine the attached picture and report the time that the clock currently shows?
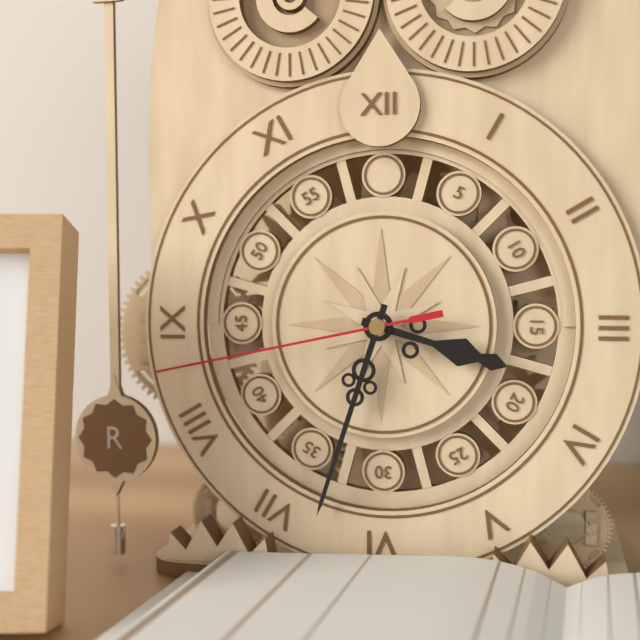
3:33:43
